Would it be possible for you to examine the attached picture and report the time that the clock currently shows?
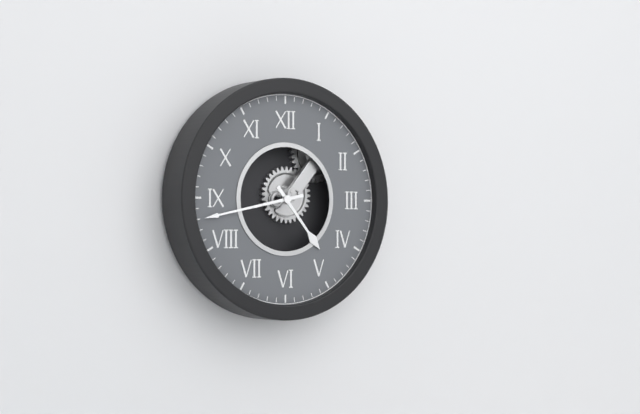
4:43
